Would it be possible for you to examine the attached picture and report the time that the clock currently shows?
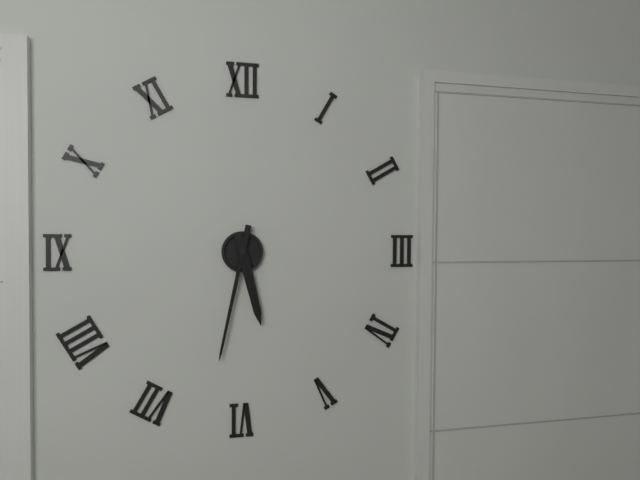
5:32
